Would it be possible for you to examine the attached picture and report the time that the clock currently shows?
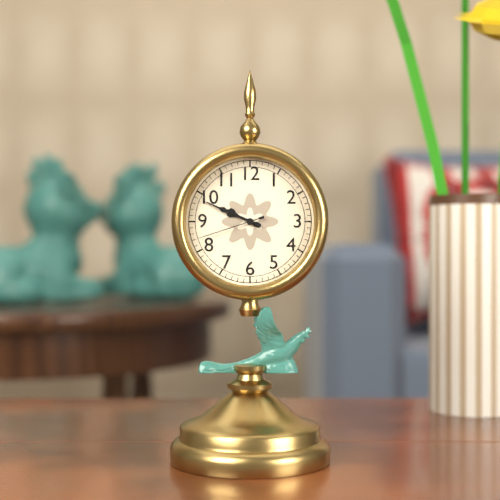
9:49:42
